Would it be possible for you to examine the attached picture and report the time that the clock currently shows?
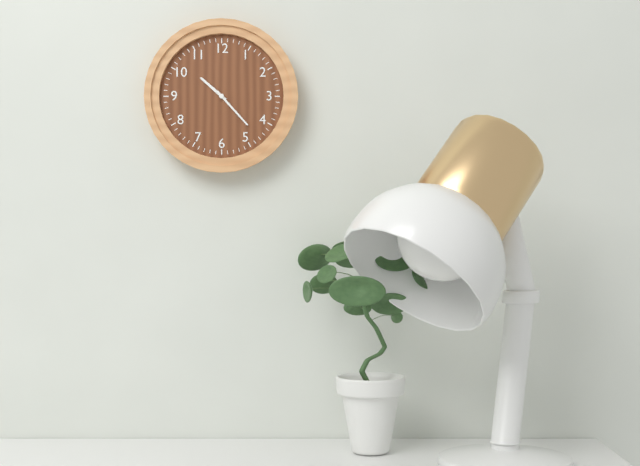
10:23
